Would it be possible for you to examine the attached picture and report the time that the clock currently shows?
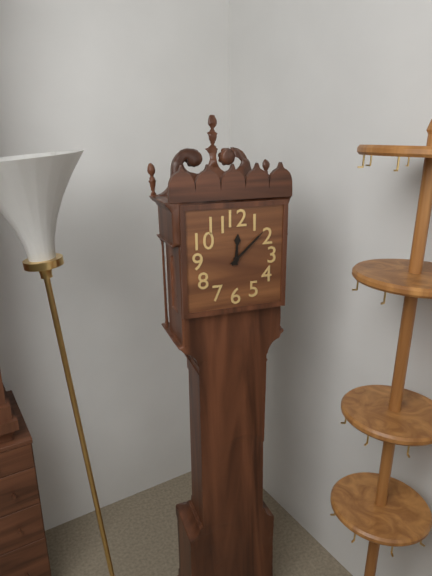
12:08
